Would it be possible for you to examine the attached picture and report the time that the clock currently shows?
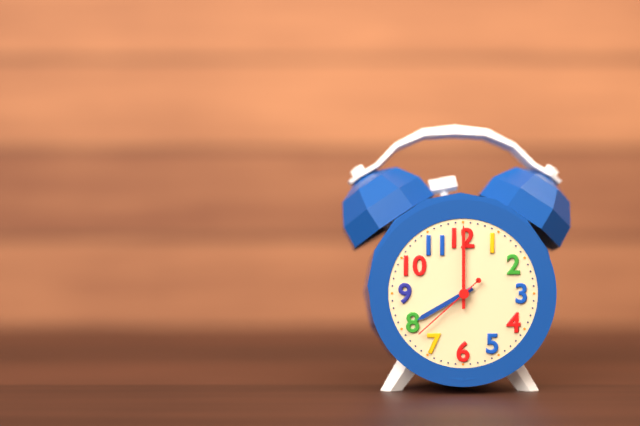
8:00:38
